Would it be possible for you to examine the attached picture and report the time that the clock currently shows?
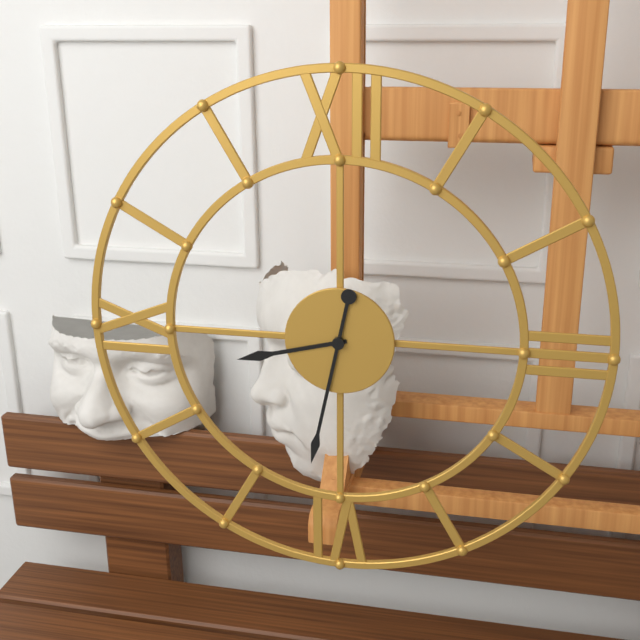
8:32
